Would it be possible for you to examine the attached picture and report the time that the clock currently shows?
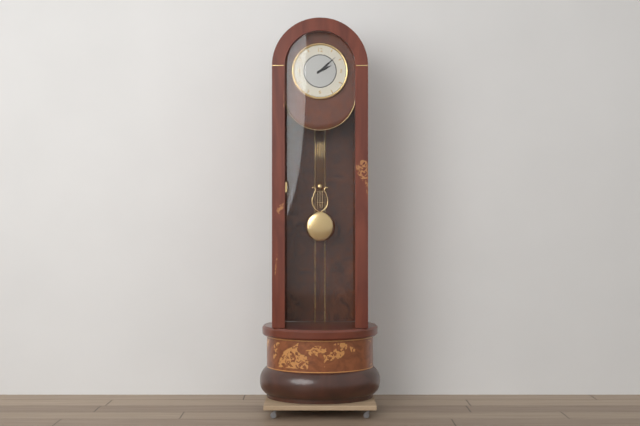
2:08
